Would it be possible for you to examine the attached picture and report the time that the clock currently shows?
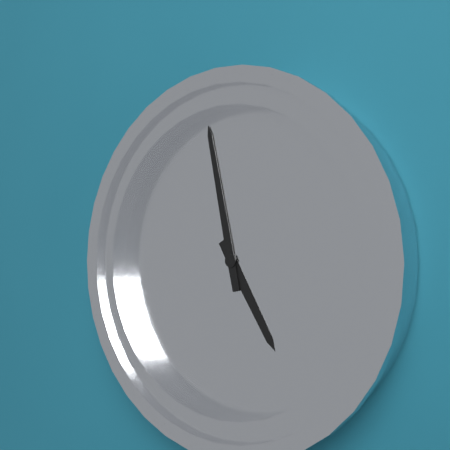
4:58
